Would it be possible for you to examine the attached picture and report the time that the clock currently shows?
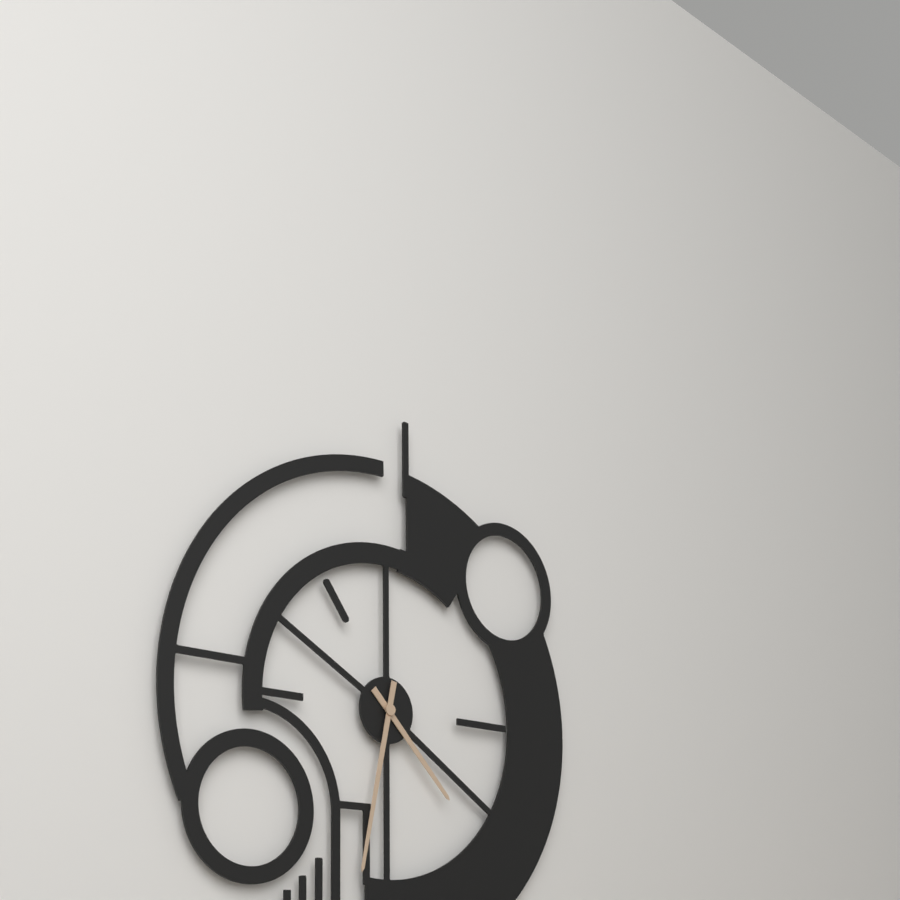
4:32
